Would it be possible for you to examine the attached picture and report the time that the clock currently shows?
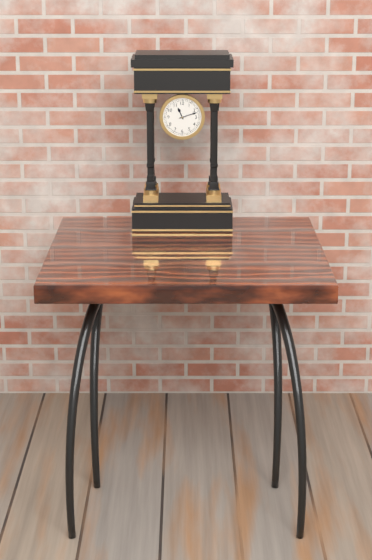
11:12
